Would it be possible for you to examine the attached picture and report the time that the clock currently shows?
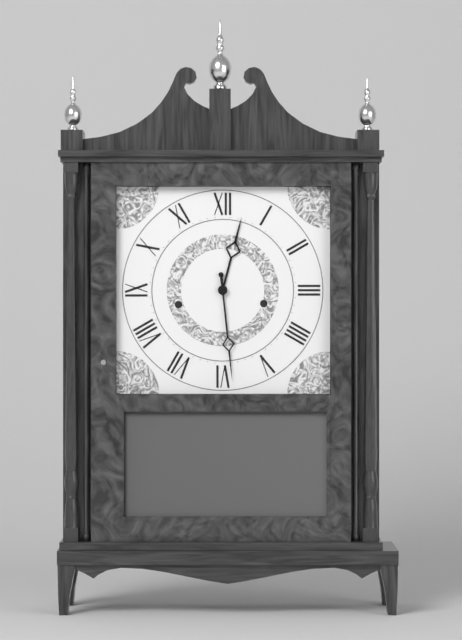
12:29
